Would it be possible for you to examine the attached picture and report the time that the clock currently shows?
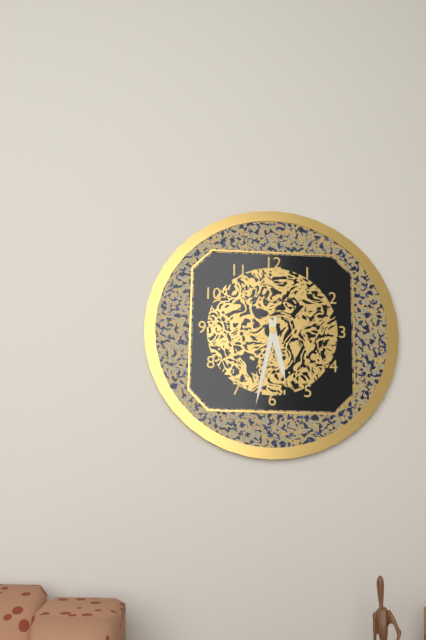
5:32
